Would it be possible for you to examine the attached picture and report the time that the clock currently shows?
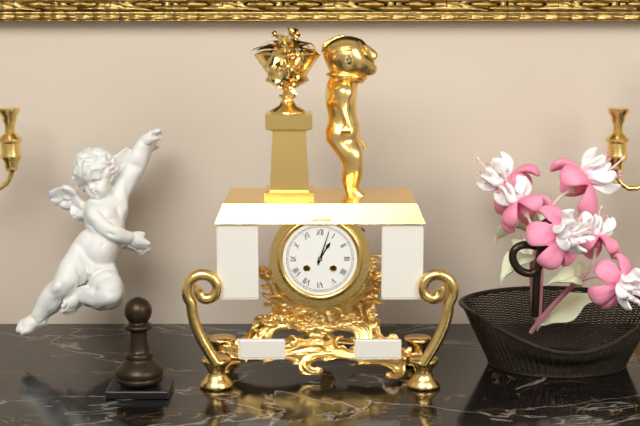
1:03
